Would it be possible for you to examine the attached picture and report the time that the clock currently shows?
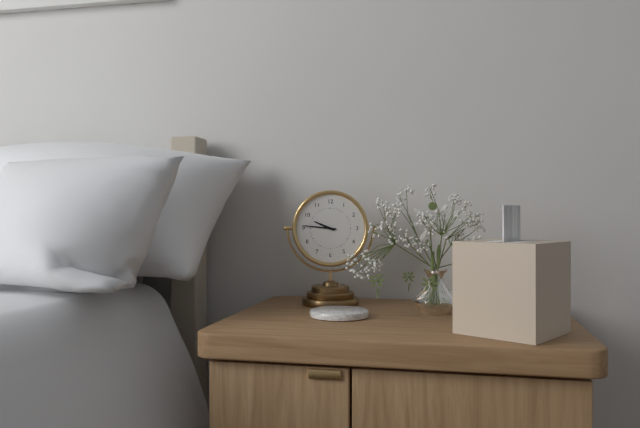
9:46
